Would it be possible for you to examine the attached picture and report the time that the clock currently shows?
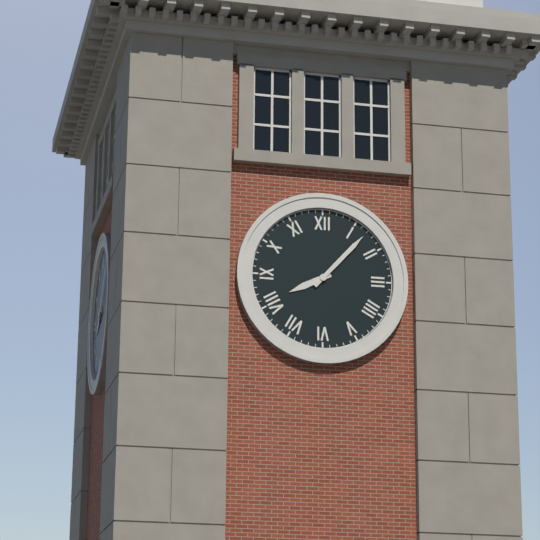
8:07
